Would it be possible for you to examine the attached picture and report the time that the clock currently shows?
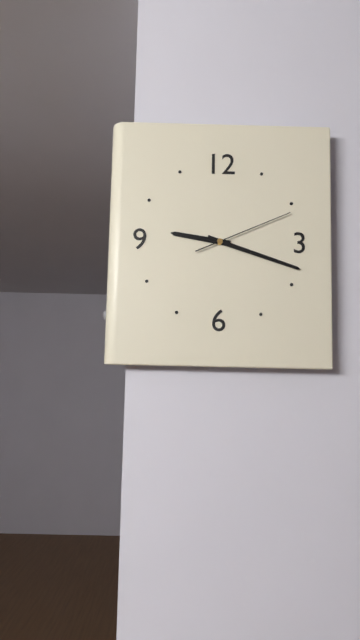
9:18:11
